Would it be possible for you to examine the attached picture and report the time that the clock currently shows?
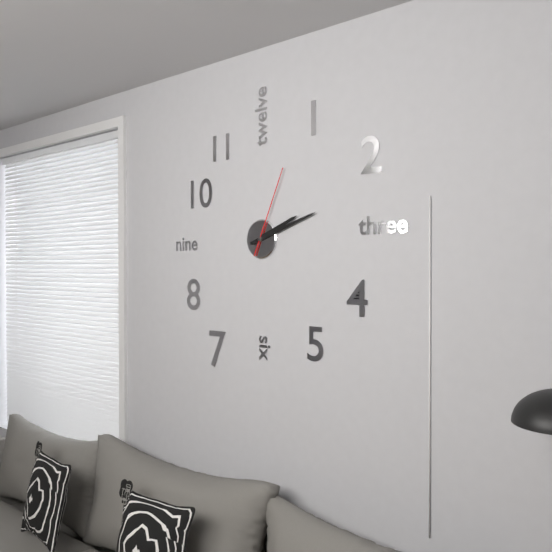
2:12:04
